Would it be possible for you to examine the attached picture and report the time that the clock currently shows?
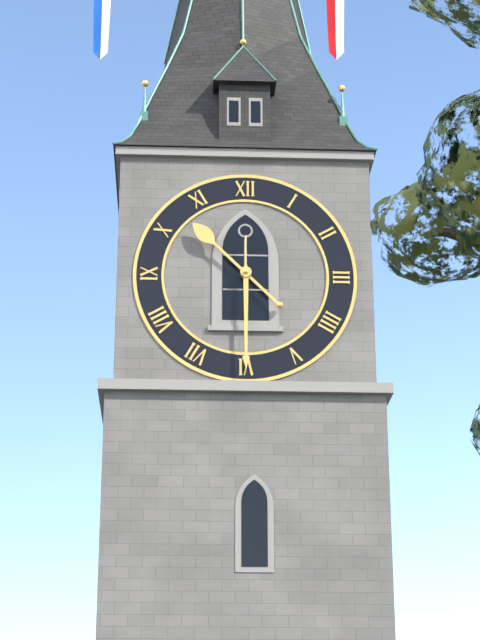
10:30
